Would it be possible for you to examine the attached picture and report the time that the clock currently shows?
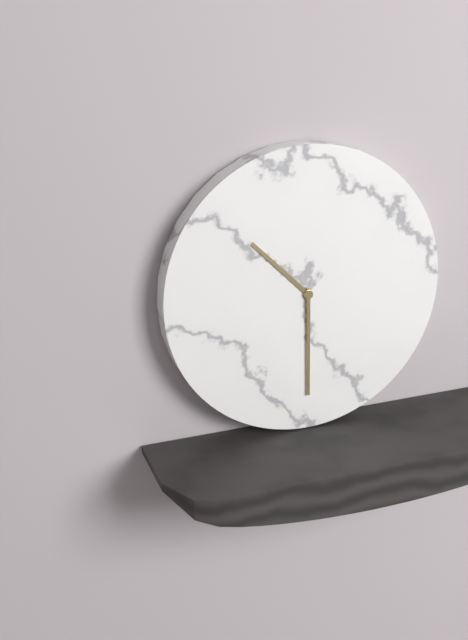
10:30
